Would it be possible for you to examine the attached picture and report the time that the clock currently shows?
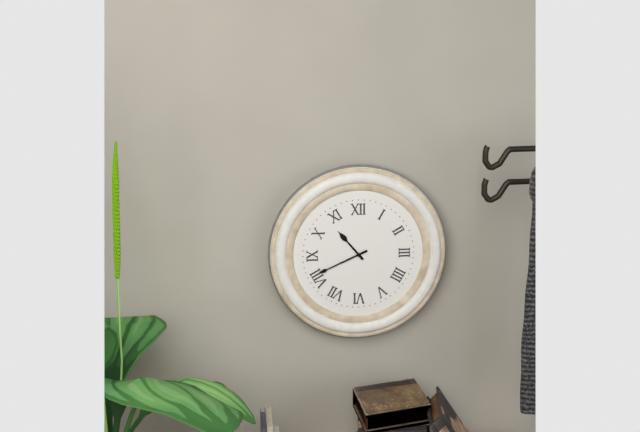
10:41
